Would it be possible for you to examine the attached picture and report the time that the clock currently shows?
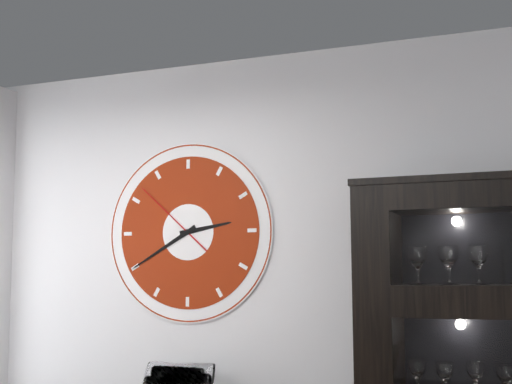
2:40:52
